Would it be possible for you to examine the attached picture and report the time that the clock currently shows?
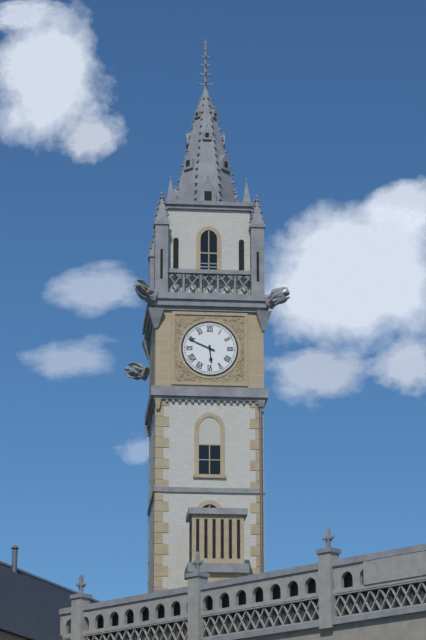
5:49
